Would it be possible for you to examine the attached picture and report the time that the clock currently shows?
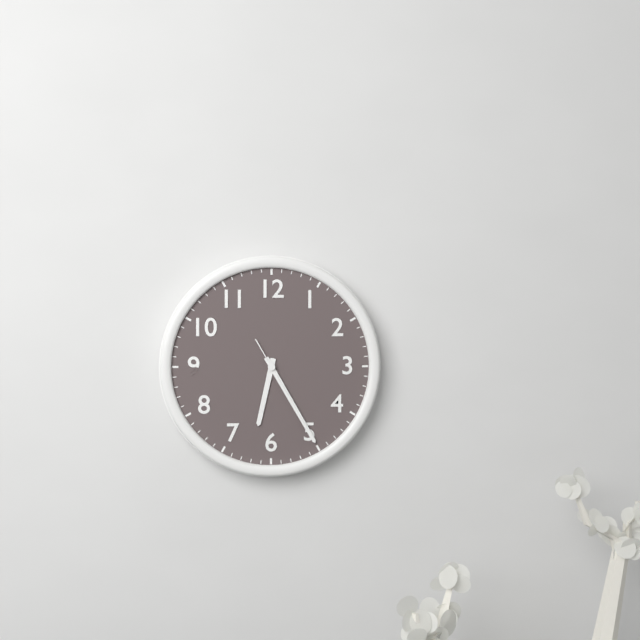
6:25:25
